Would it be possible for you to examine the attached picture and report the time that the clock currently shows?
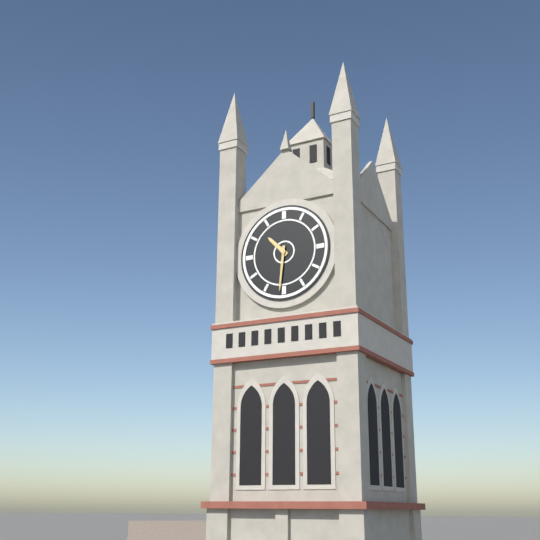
10:31
